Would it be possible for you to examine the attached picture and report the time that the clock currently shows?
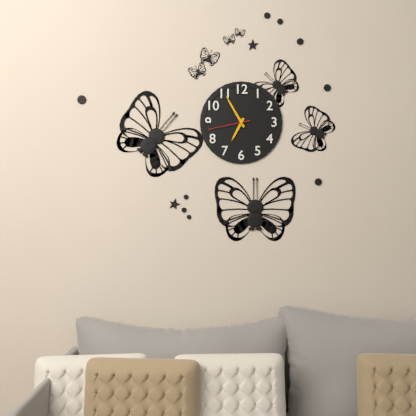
6:55
